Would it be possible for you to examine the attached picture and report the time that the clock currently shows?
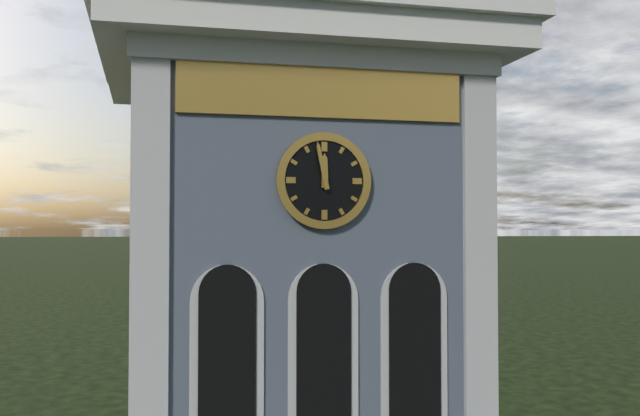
11:58
